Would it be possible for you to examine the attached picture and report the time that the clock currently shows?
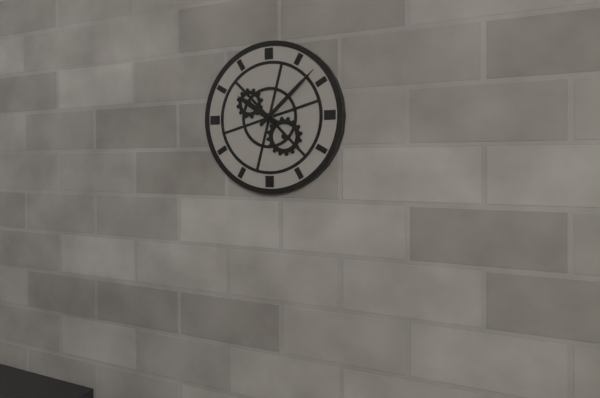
10:08
